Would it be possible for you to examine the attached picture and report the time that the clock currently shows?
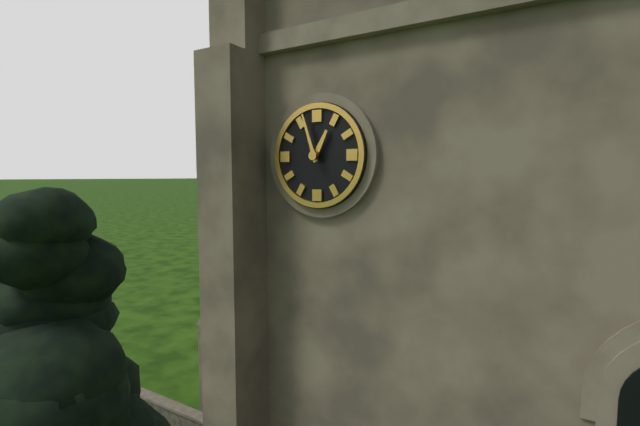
12:57
